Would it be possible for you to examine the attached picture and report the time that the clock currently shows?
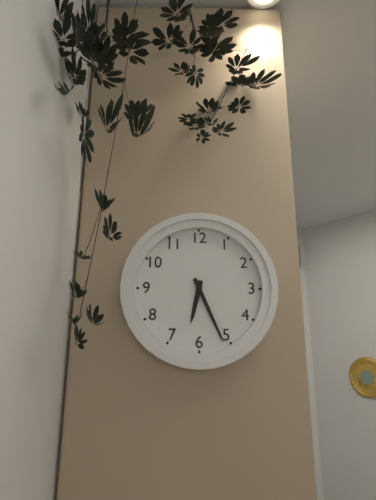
6:26
